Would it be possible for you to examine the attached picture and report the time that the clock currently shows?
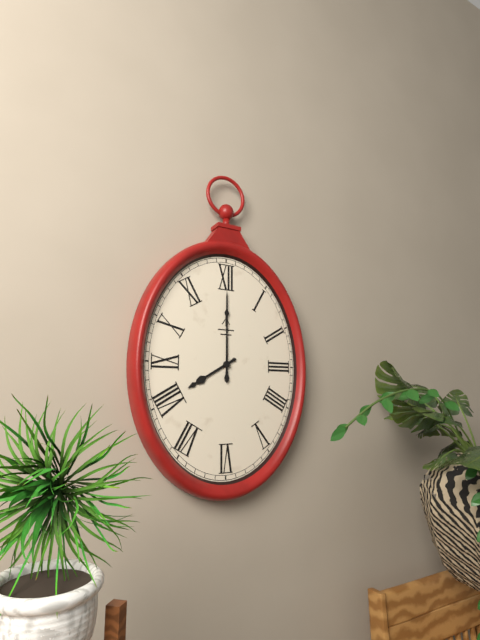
8:00
